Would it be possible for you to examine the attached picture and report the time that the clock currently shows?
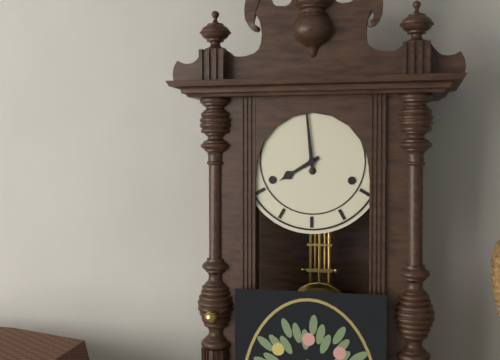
7:59
